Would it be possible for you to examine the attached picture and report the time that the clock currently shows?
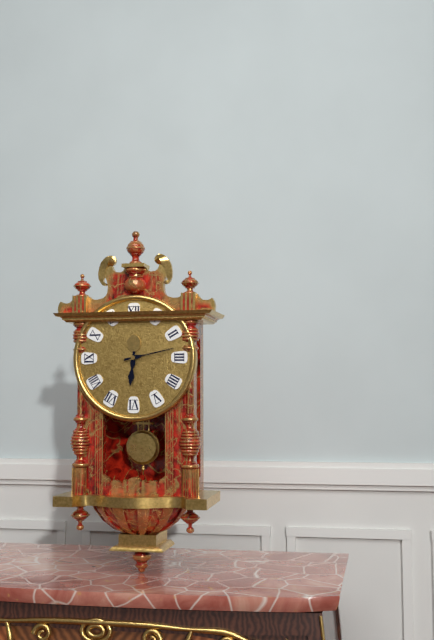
6:13
